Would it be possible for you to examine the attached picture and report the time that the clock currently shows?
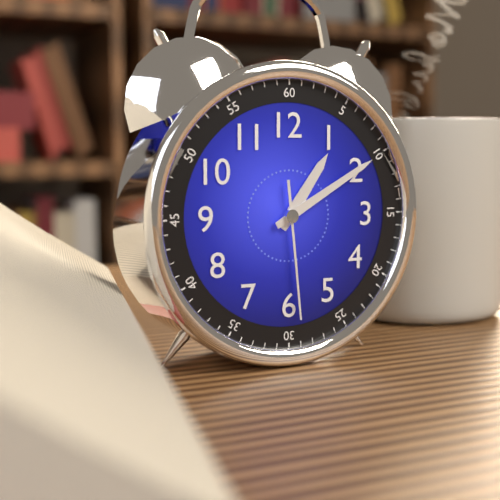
1:10:29
